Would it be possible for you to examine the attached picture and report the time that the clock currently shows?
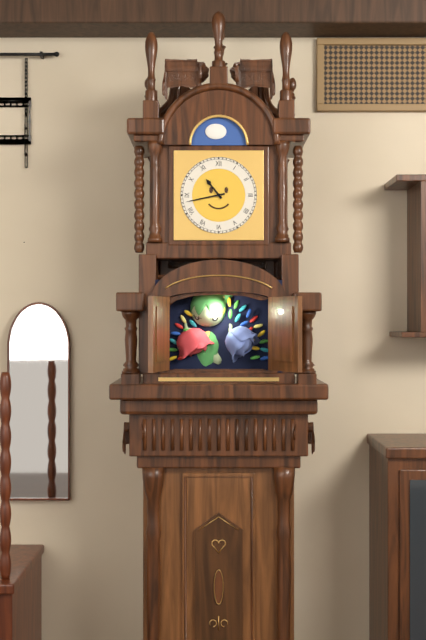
10:43
